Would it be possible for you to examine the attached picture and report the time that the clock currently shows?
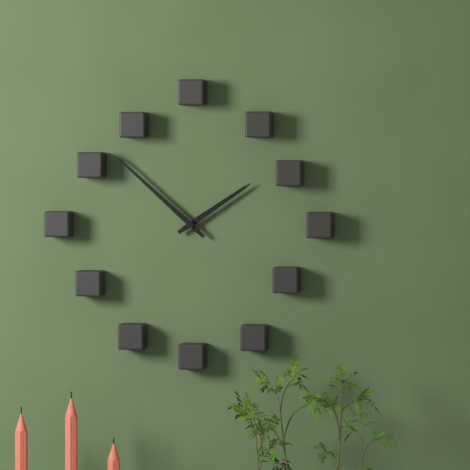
1:52
